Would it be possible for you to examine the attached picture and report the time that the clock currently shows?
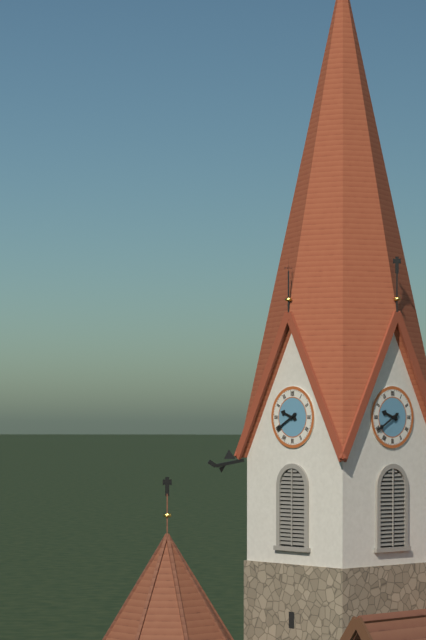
9:40
